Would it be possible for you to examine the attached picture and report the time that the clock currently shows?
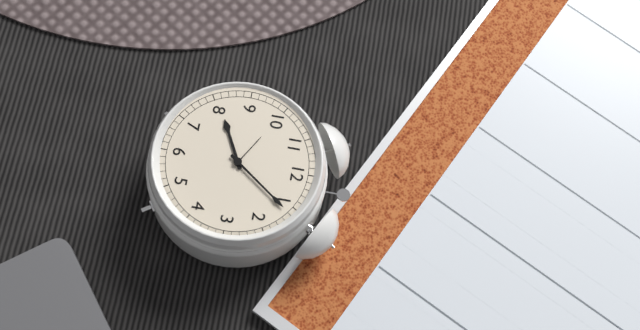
8:06
